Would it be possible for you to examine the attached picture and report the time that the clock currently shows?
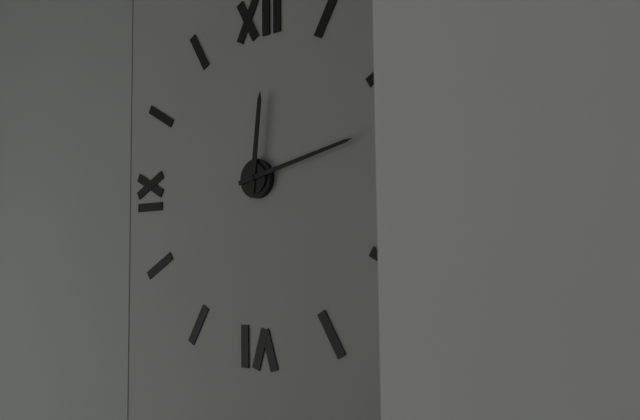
12:13
